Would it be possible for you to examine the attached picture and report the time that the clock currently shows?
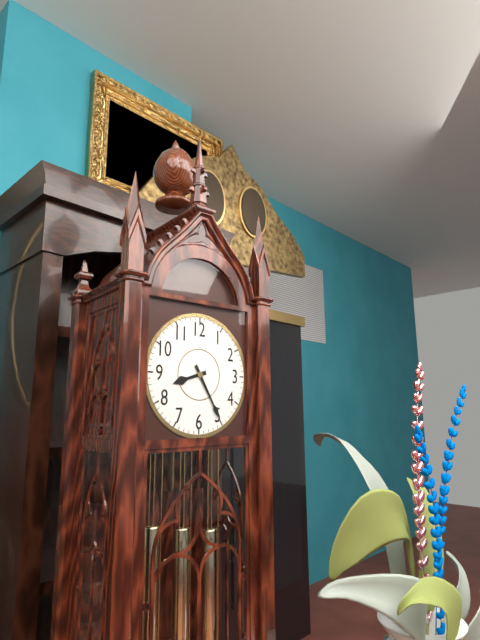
8:25
